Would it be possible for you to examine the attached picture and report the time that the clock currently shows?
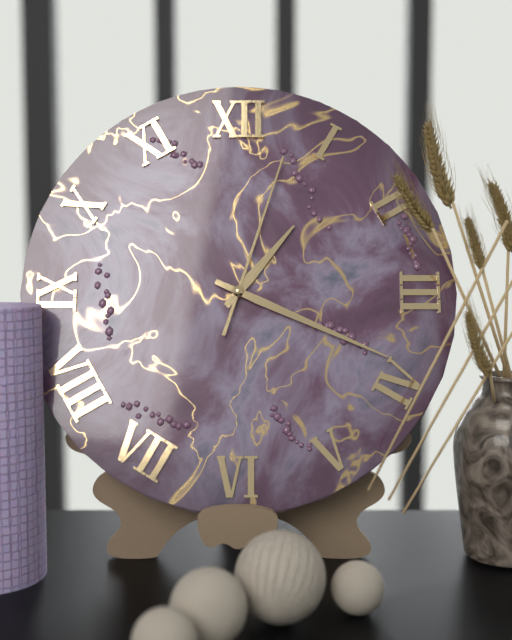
1:19:03
